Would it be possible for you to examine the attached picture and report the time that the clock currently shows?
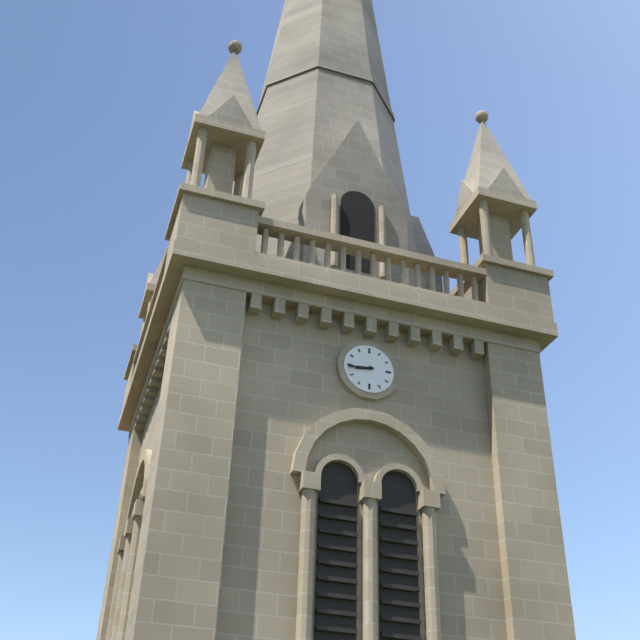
8:44
